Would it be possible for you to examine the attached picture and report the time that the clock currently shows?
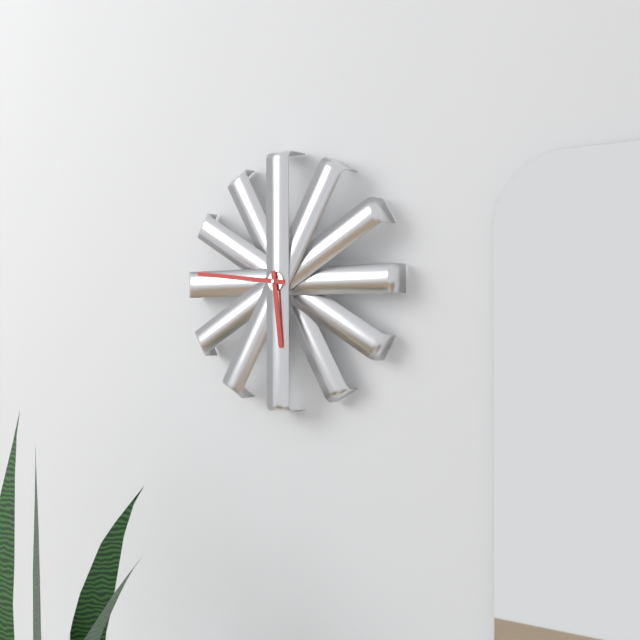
5:46
